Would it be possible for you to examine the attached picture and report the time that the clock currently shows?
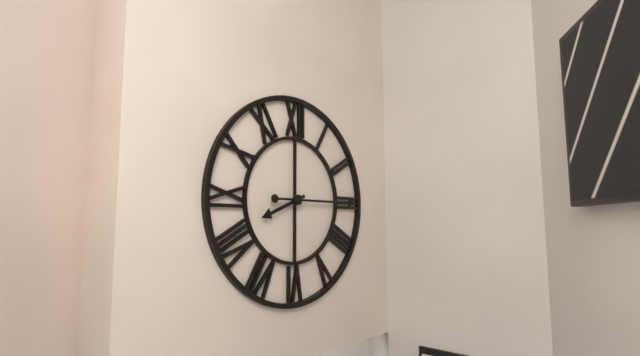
8:15
